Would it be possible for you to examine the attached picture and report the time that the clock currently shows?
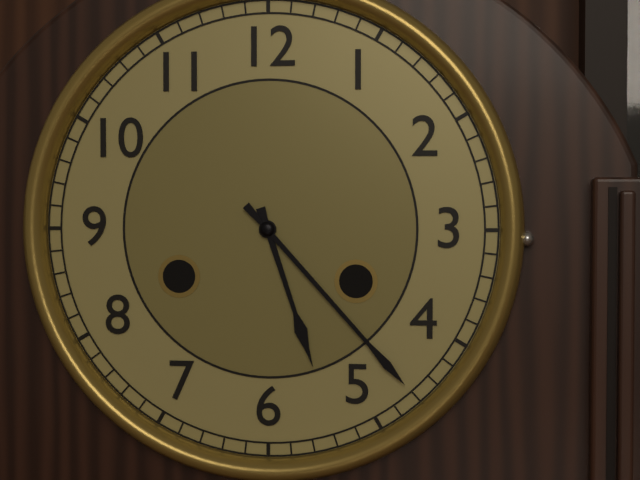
5:23
